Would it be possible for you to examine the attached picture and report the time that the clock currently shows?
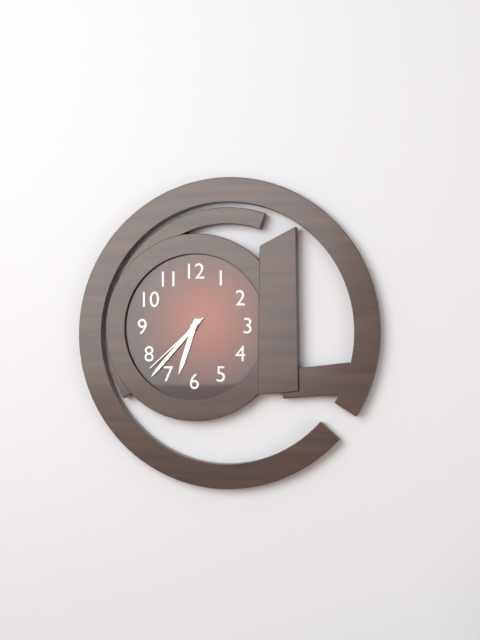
6:37:38
